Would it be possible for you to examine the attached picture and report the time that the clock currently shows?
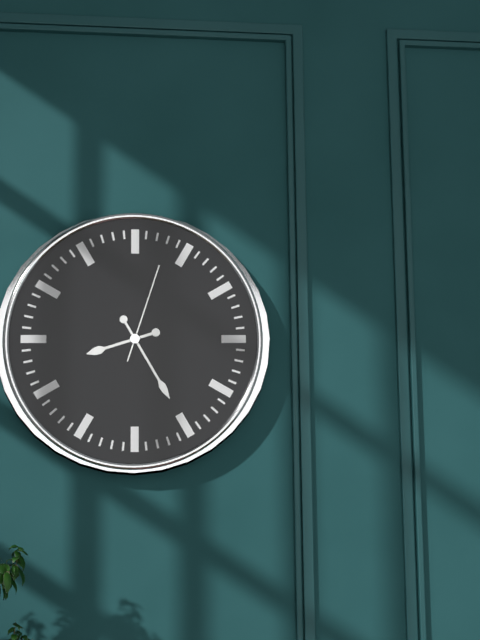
8:25:03
